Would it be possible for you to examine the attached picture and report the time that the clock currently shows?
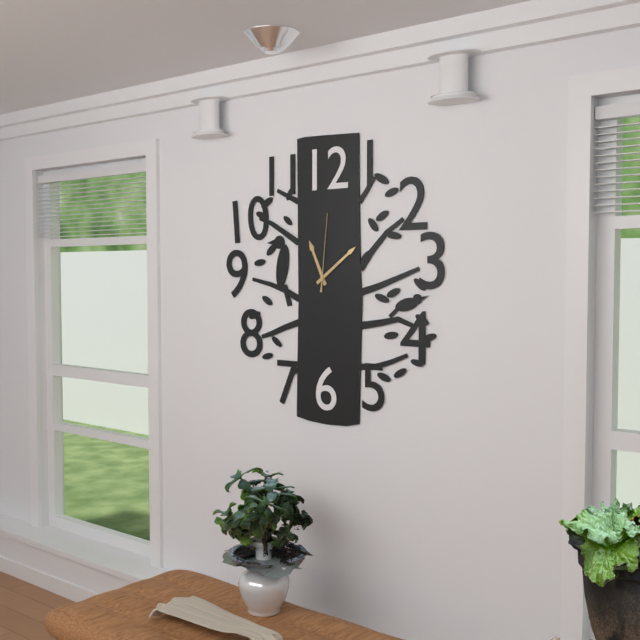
11:09:01
